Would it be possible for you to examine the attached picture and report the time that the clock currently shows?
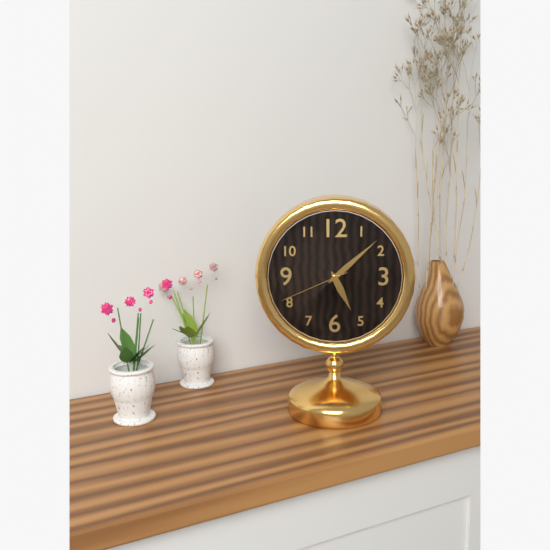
5:08:41
